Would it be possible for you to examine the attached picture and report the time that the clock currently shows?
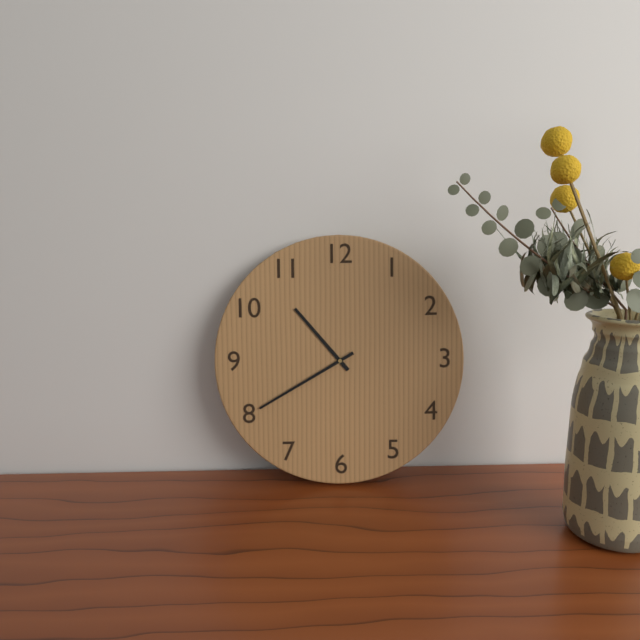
10:40
